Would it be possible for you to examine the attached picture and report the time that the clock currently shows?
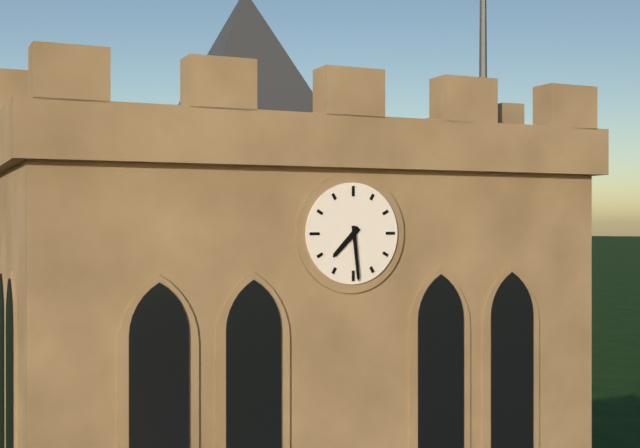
7:29
